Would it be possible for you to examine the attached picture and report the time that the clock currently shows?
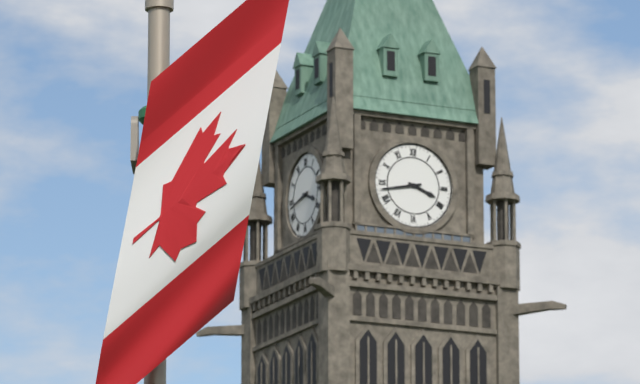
3:43
